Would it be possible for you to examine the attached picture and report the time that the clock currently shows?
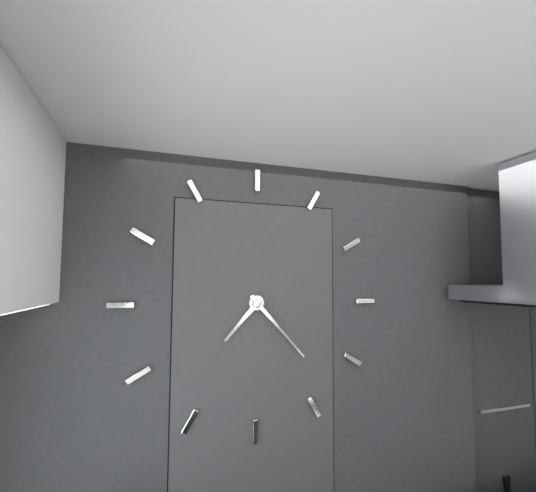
7:23
